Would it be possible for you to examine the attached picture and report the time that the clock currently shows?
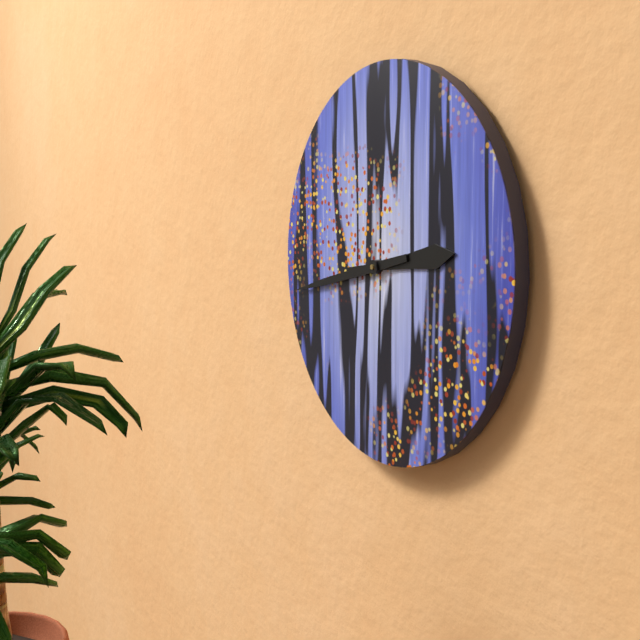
2:43
